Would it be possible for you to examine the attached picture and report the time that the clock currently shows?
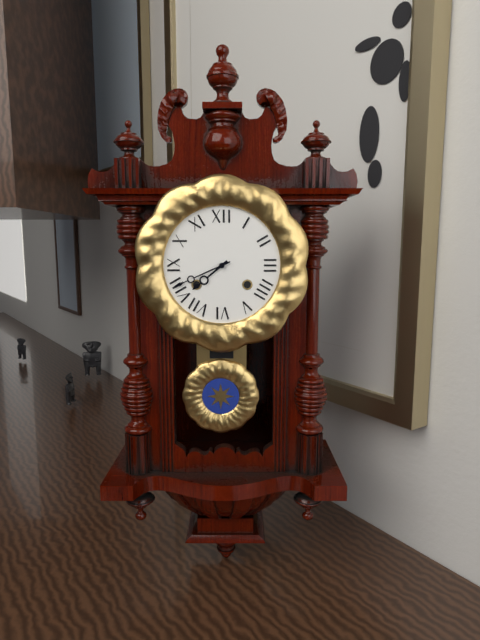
7:41
